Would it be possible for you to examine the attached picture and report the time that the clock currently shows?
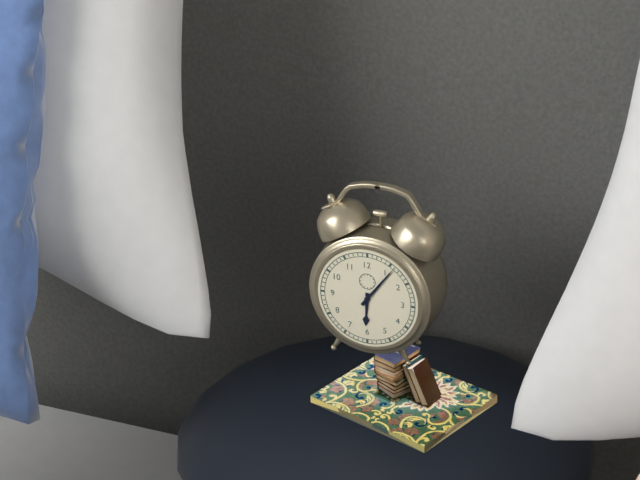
6:06
